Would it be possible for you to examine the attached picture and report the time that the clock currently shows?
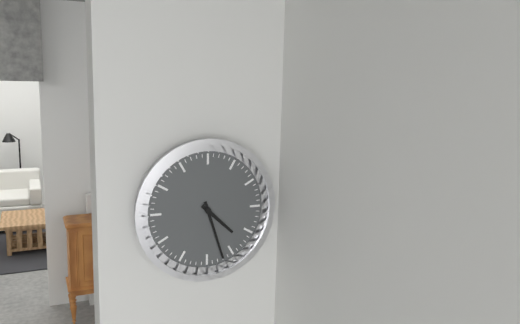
4:27
